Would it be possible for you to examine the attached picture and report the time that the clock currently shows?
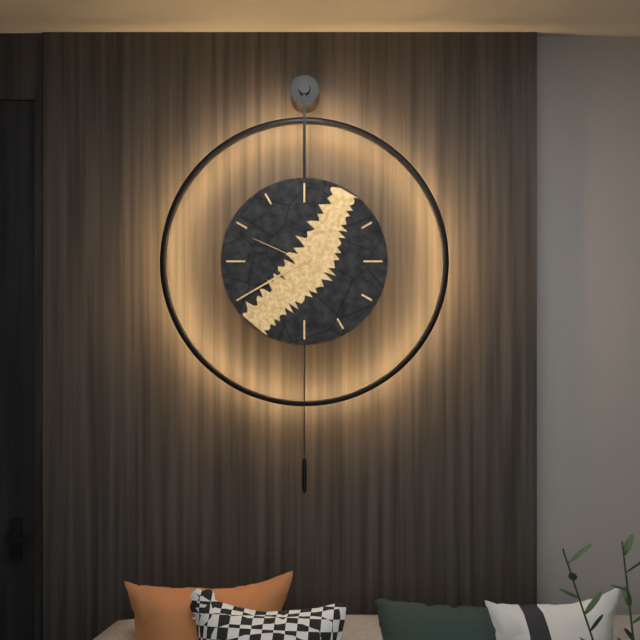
1:40:49
